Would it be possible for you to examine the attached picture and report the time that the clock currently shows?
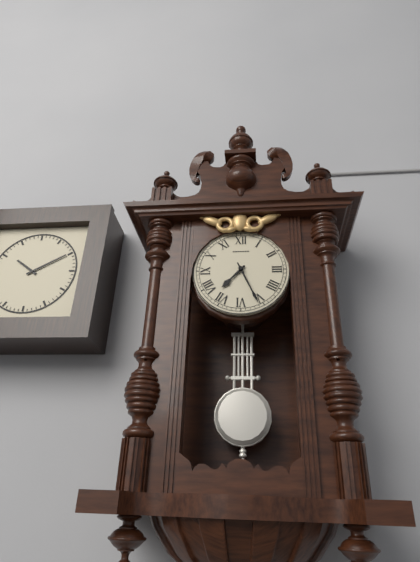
7:26
